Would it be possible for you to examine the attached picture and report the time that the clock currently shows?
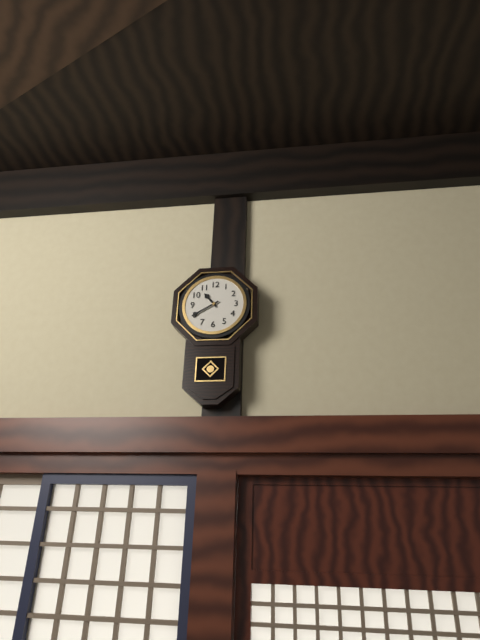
10:40
